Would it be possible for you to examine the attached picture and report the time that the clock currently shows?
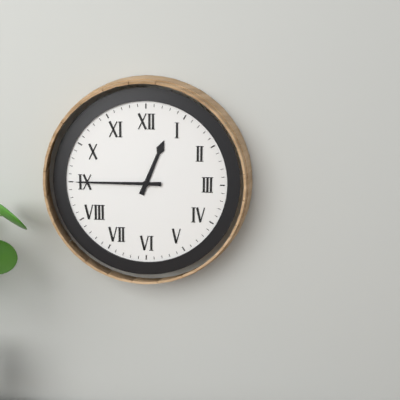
12:45
